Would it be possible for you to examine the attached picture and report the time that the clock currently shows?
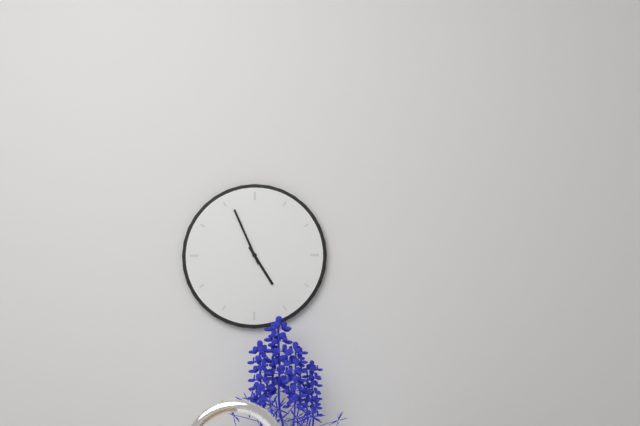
4:56
